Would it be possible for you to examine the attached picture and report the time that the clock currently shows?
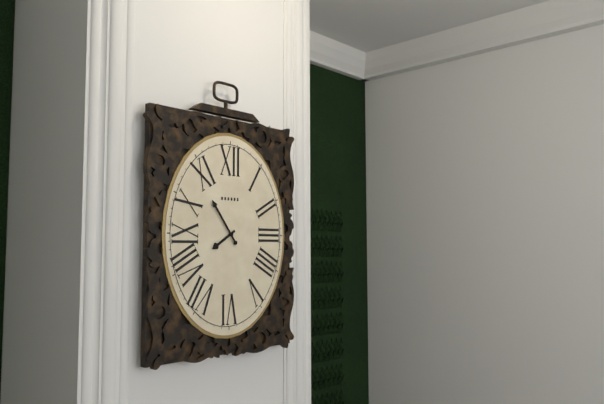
7:54
